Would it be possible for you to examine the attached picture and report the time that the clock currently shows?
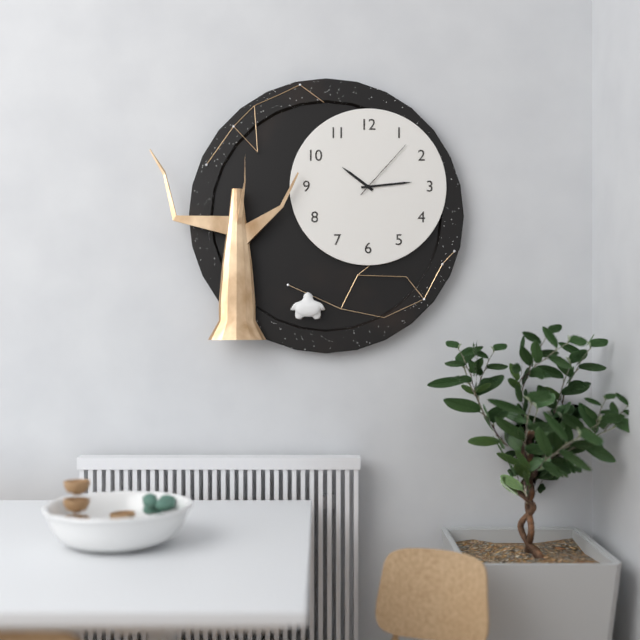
10:14:07
